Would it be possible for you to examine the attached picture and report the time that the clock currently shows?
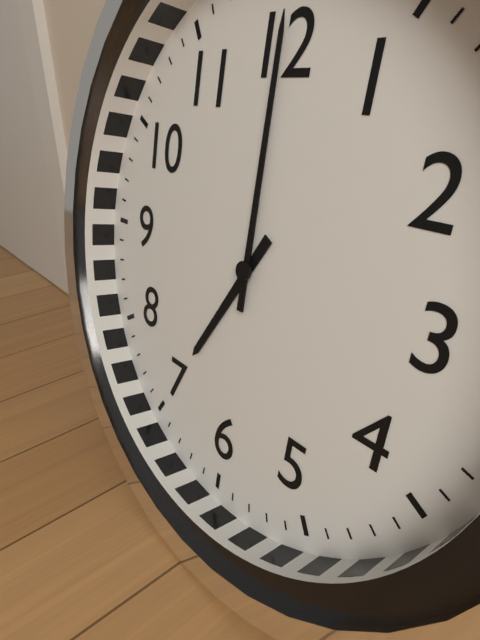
7:00
